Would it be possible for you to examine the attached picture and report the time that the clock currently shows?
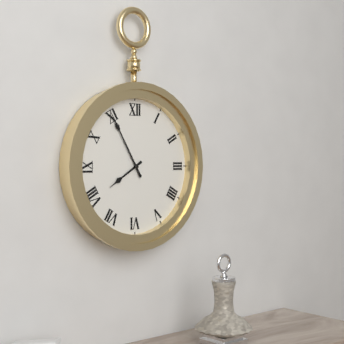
7:55
